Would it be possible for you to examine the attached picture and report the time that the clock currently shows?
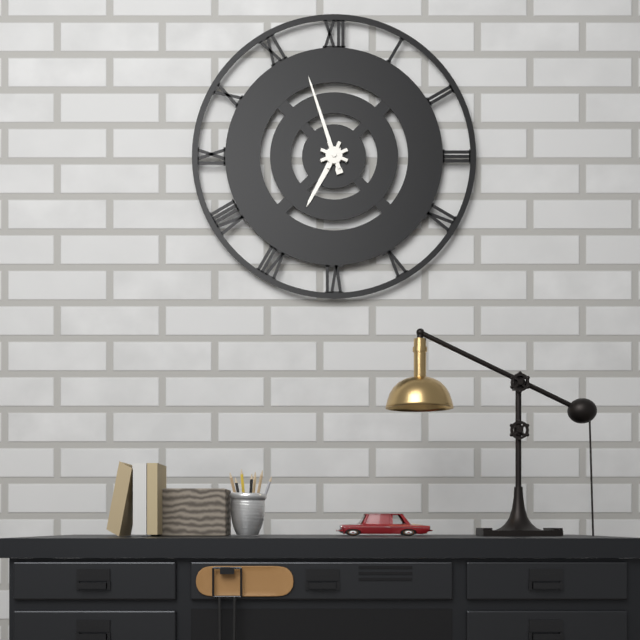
6:57
